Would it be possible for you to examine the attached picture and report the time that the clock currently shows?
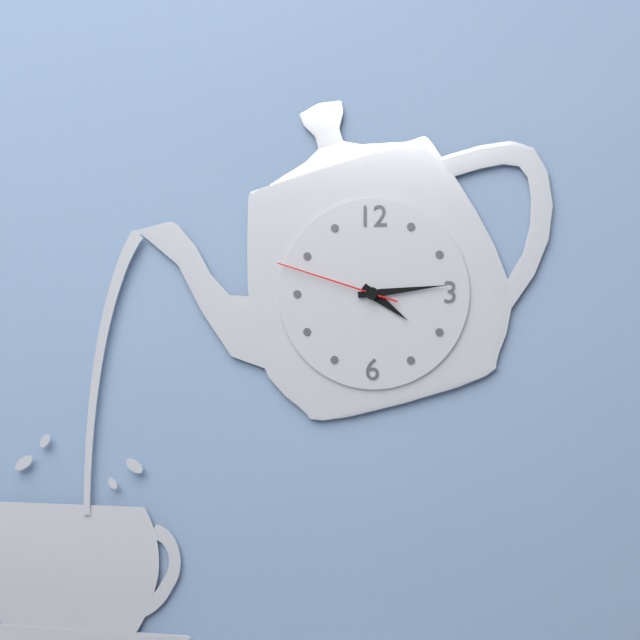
4:14:48
